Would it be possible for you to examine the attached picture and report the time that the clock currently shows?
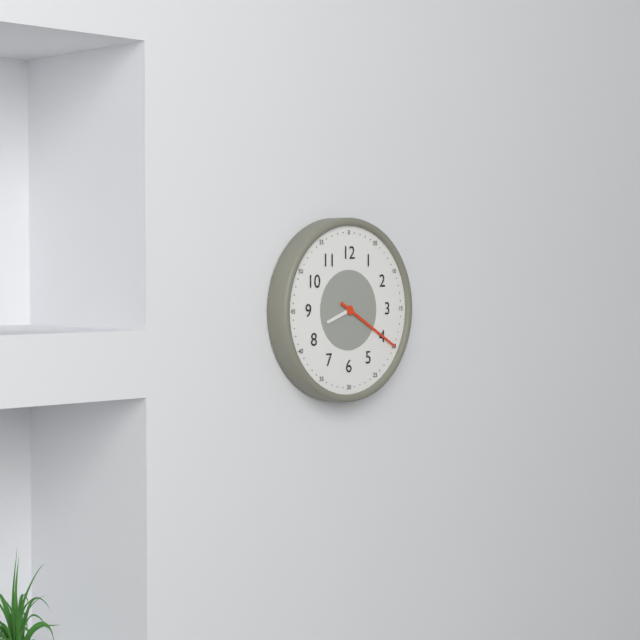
8:20
